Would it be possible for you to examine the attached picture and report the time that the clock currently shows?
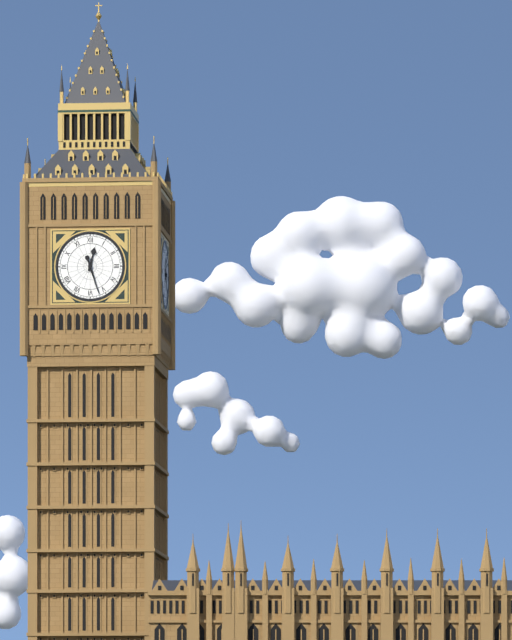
12:27
